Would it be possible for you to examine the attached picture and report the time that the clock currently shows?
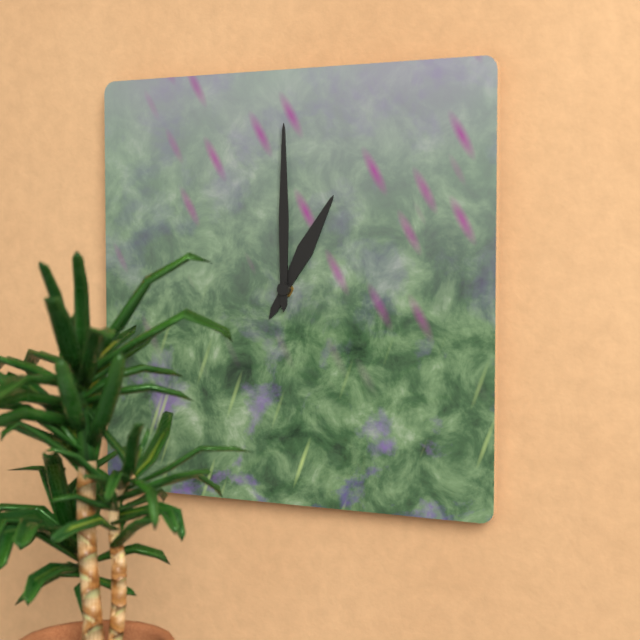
1:00
